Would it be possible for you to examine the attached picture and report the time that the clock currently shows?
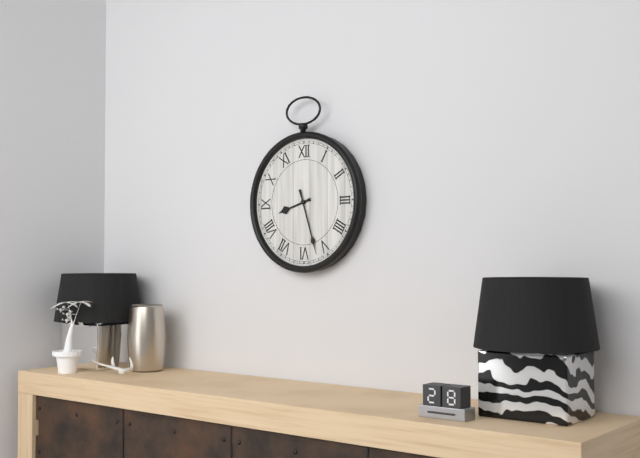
8:27
